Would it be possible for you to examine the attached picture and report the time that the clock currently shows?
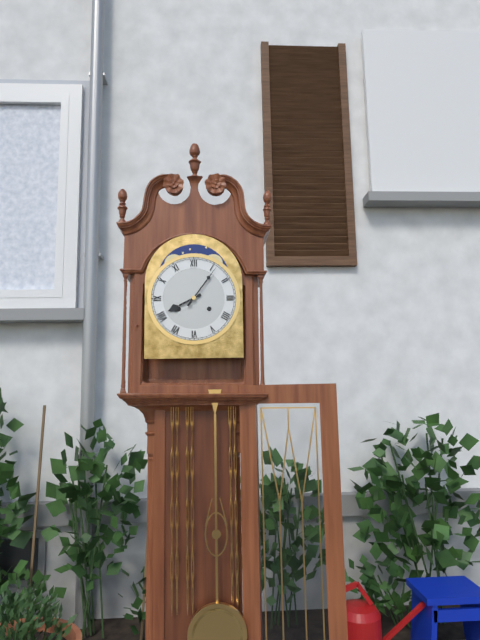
8:06
